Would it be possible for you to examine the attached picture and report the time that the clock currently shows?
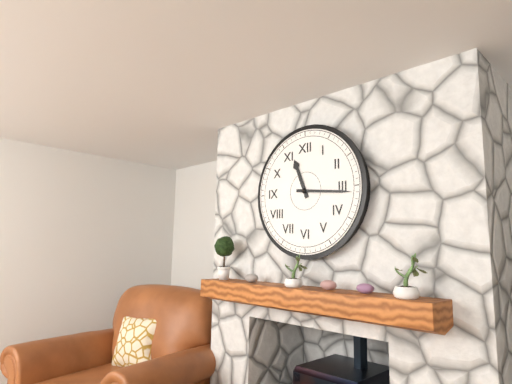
11:16
